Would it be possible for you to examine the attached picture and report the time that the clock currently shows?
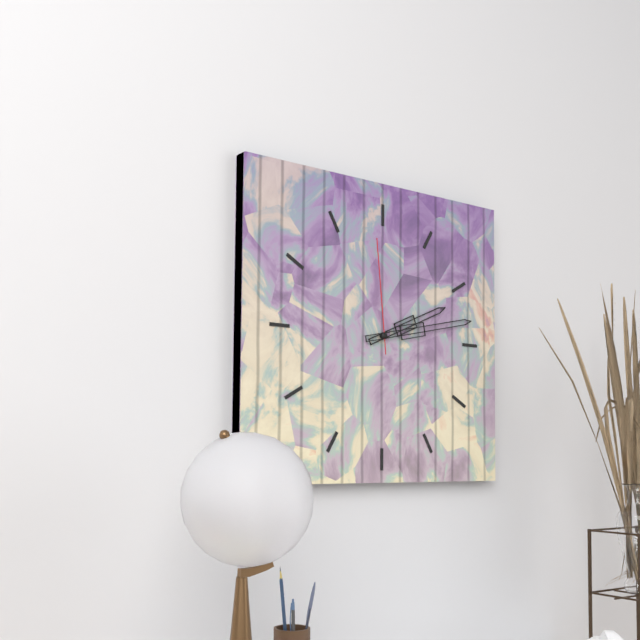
2:13:59
